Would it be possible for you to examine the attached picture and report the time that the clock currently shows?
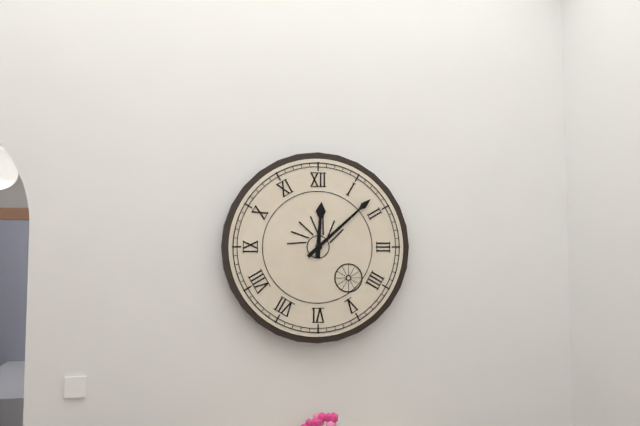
12:08
